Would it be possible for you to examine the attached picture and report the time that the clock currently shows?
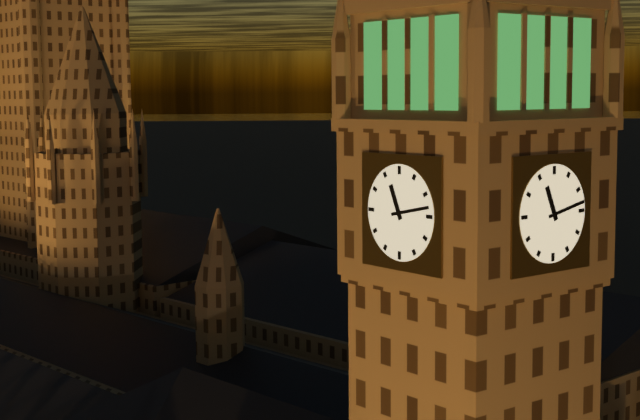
11:13
